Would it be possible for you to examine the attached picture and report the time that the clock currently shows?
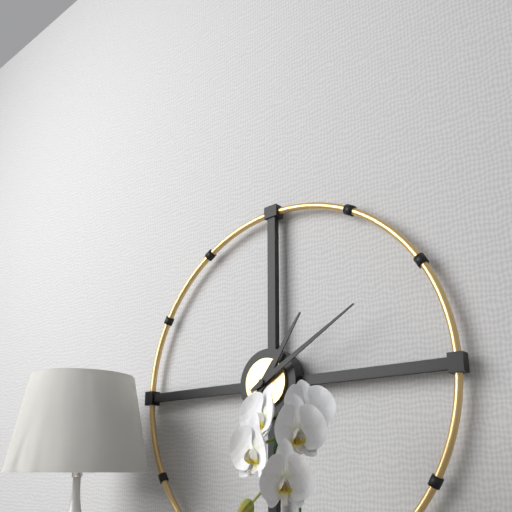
1:10
